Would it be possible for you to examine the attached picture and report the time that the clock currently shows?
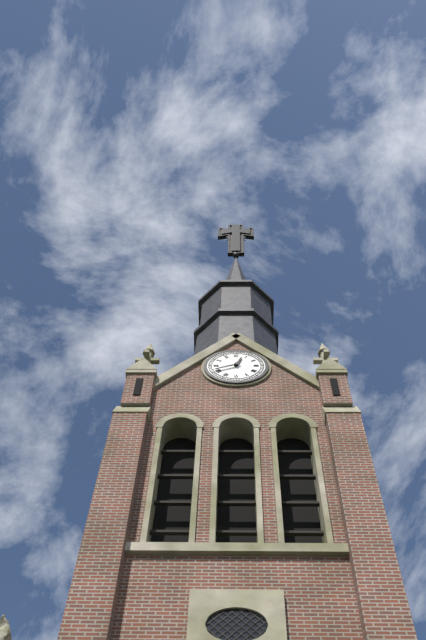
12:41
